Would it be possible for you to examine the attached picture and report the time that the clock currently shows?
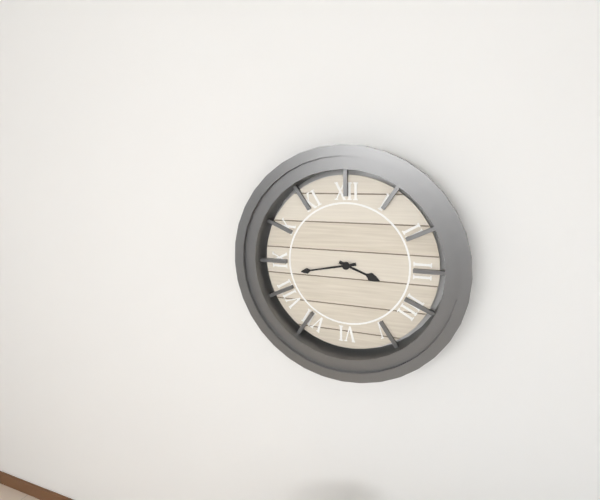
3:43
